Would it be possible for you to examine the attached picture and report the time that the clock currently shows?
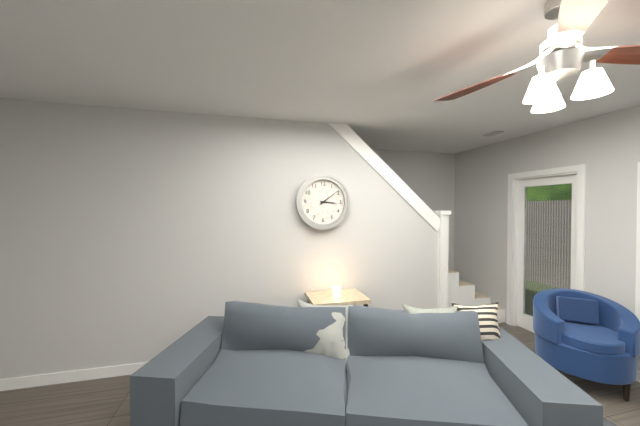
3:09
